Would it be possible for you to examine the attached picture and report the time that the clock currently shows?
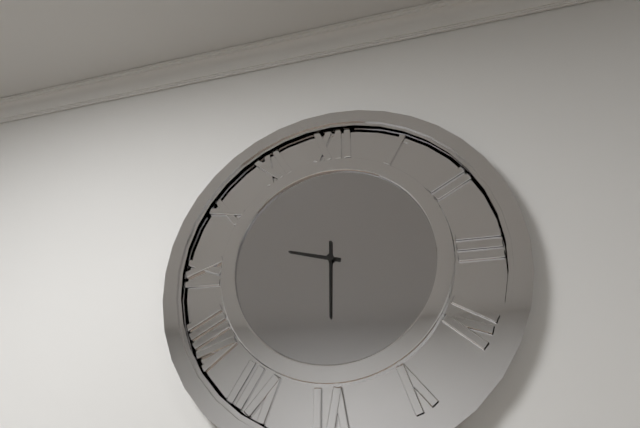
9:30
